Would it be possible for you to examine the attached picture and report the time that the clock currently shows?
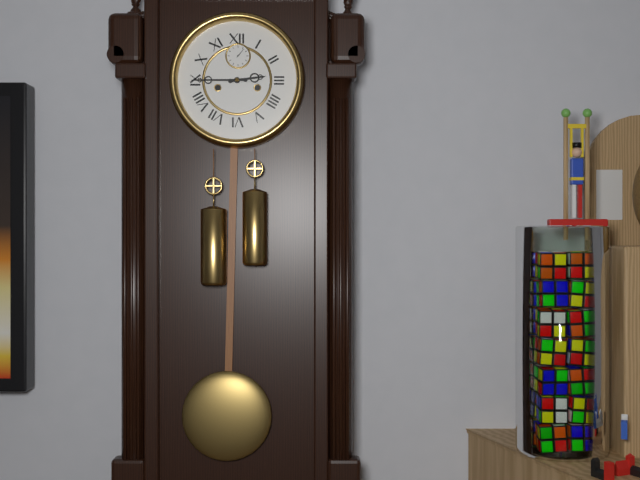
2:45
